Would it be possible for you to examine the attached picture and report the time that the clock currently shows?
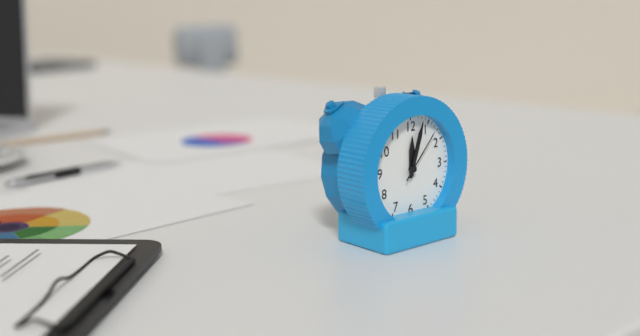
12:03:07
